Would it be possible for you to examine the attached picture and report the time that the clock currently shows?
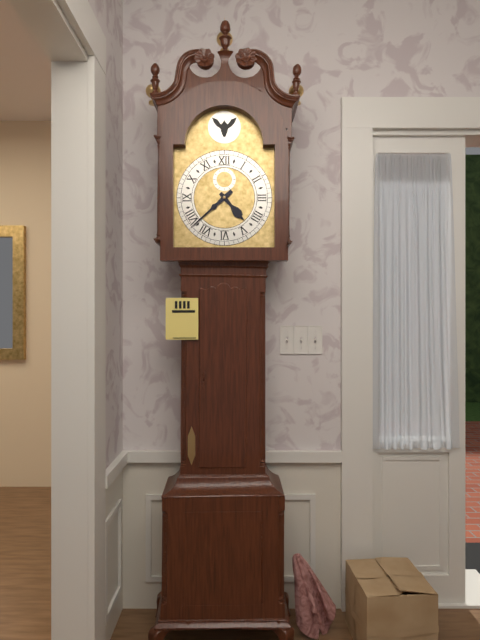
4:38
